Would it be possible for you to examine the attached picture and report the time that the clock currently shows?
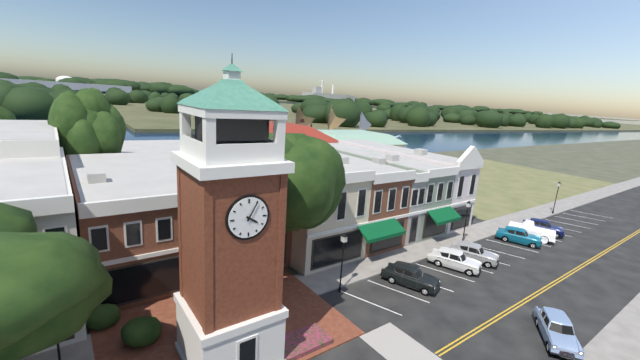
4:05
